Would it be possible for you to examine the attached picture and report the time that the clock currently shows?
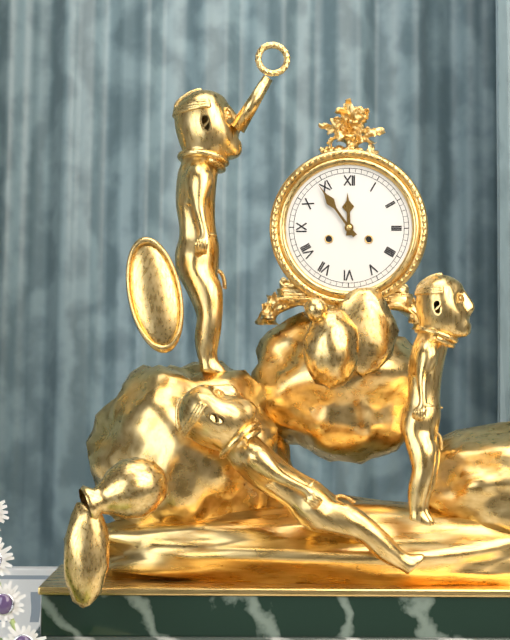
11:54
